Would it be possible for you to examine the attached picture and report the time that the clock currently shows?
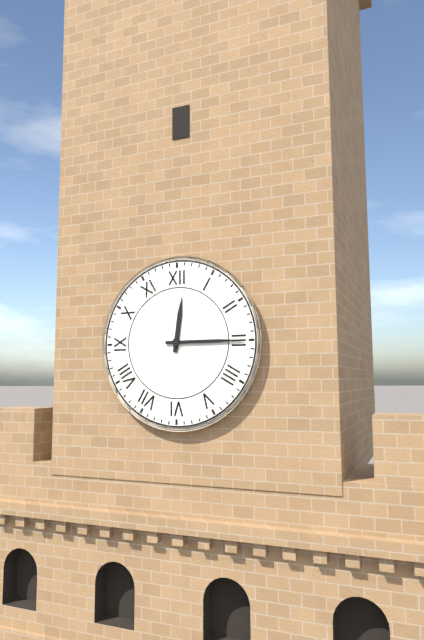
12:15
